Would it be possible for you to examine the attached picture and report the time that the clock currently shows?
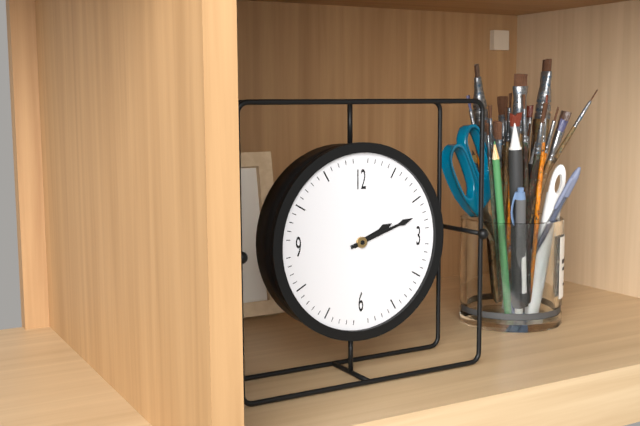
2:12
